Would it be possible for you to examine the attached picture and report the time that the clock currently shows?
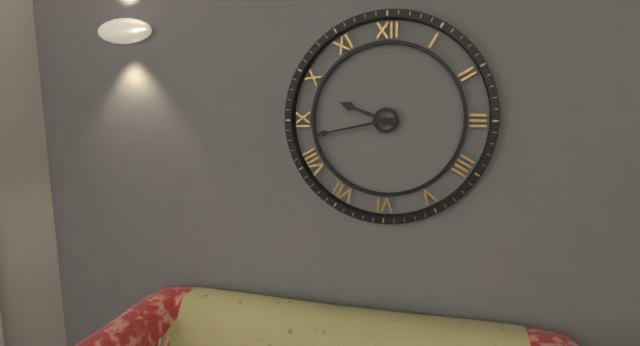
9:43
